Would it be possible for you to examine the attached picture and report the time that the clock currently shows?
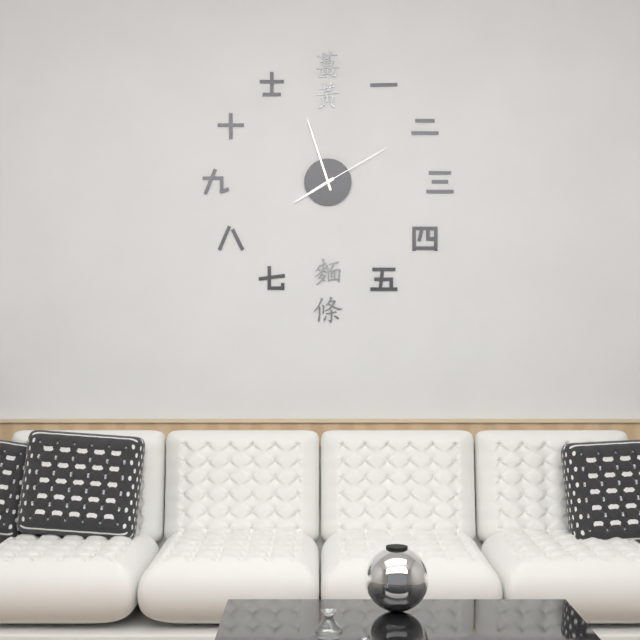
7:57:10
